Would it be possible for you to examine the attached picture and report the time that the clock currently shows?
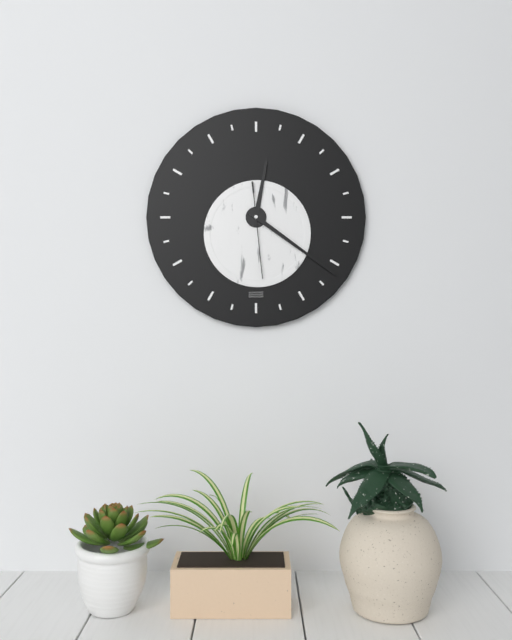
12:21:29
